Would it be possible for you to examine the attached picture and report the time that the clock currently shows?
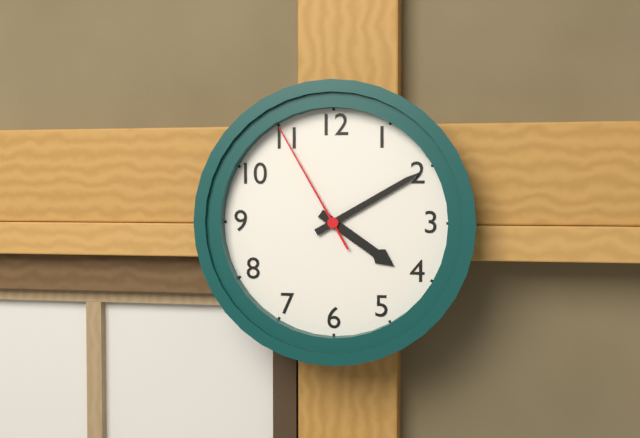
4:10:55
